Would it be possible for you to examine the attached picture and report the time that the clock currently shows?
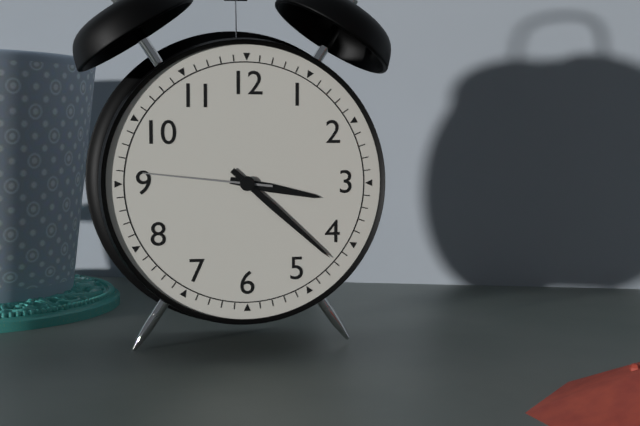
3:22:46
